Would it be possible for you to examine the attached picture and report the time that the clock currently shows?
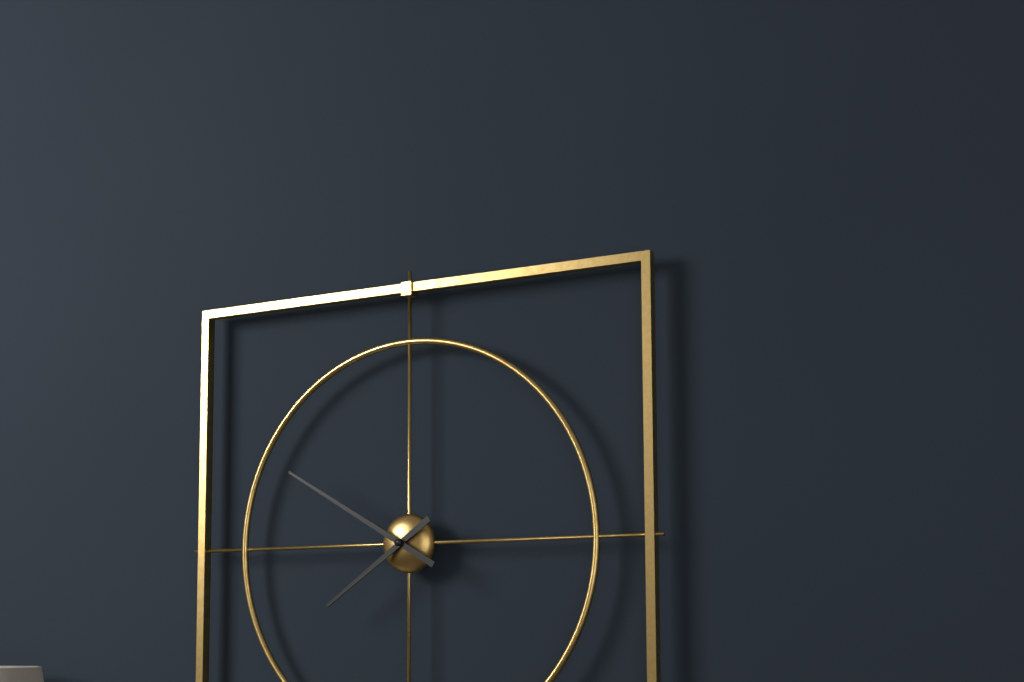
7:50
